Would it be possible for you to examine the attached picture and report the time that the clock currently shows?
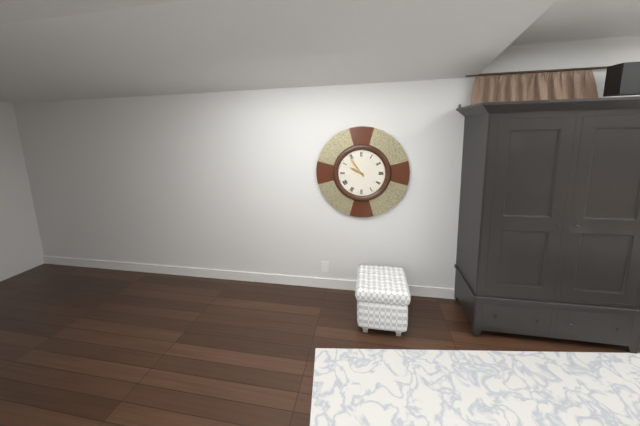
9:54
